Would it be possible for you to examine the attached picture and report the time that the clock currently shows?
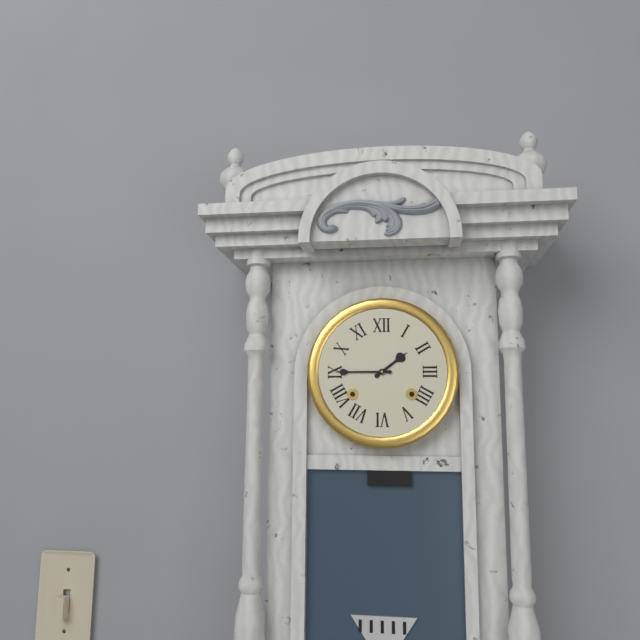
1:45
